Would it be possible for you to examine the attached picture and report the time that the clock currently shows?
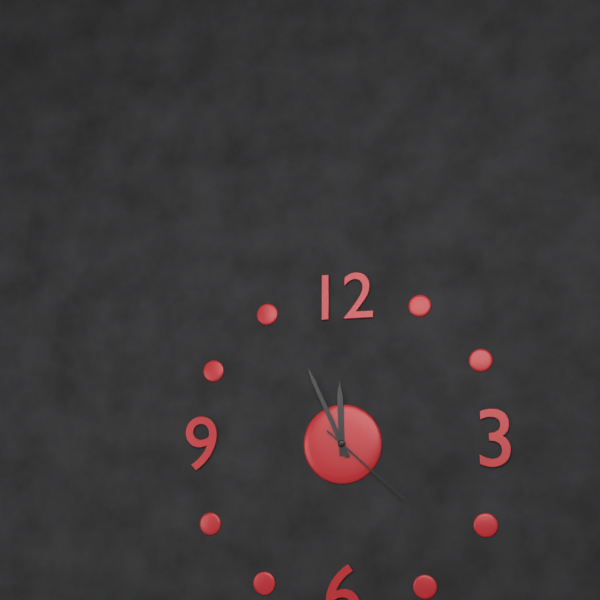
11:56:22
